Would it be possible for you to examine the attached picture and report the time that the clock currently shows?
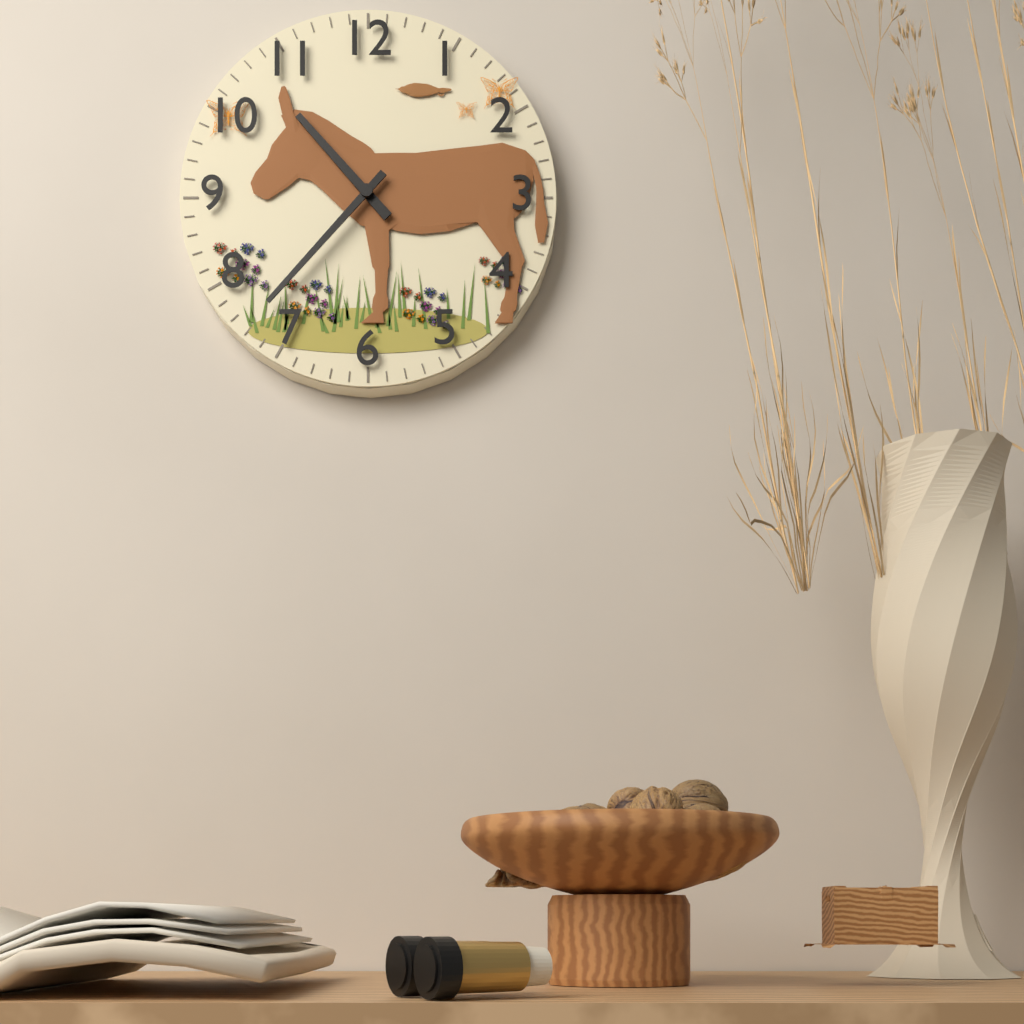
10:37
